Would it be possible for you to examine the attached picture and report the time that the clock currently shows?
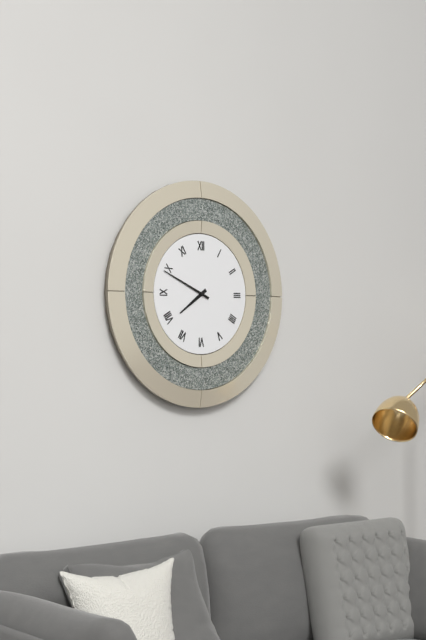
7:49
